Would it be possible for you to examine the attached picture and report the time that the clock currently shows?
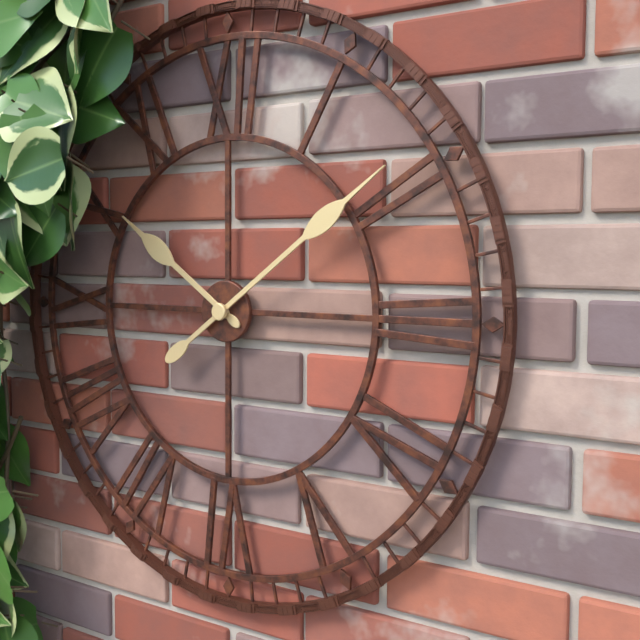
10:09
